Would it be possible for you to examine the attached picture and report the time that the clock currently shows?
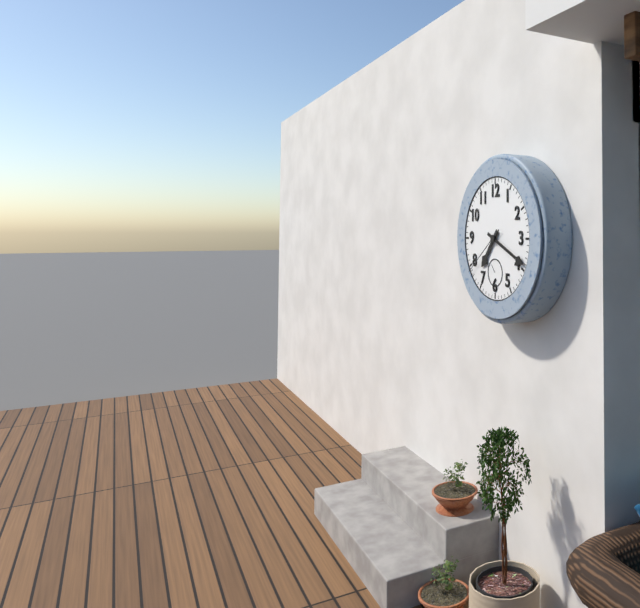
7:19:39
